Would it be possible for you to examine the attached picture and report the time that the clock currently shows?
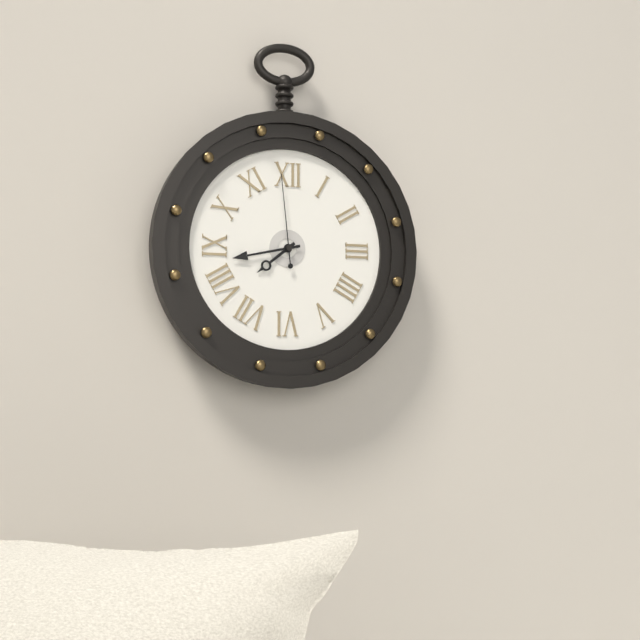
7:43:59
